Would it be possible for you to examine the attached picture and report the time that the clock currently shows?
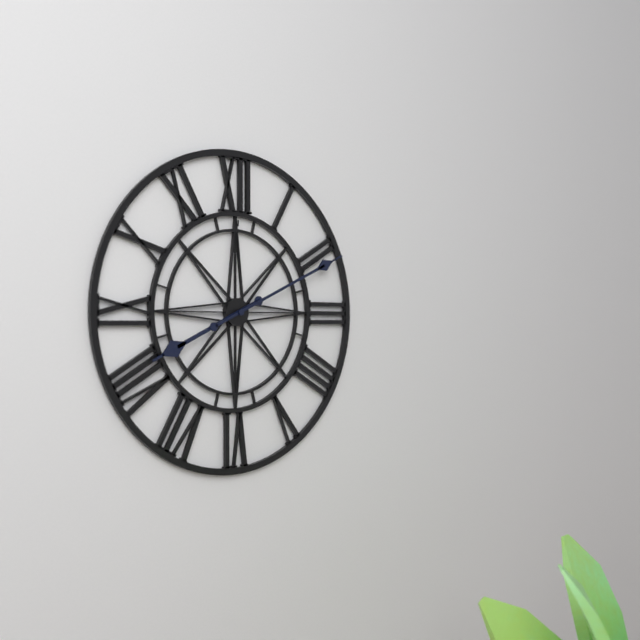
8:11
